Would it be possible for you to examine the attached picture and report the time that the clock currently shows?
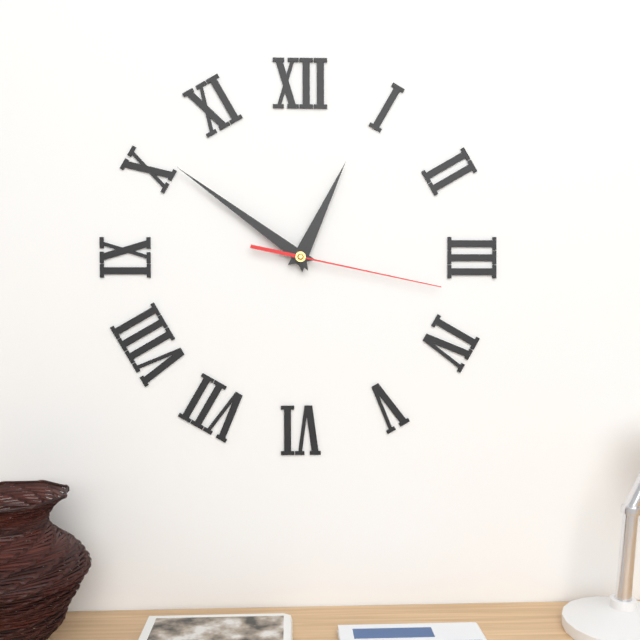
12:51:17
